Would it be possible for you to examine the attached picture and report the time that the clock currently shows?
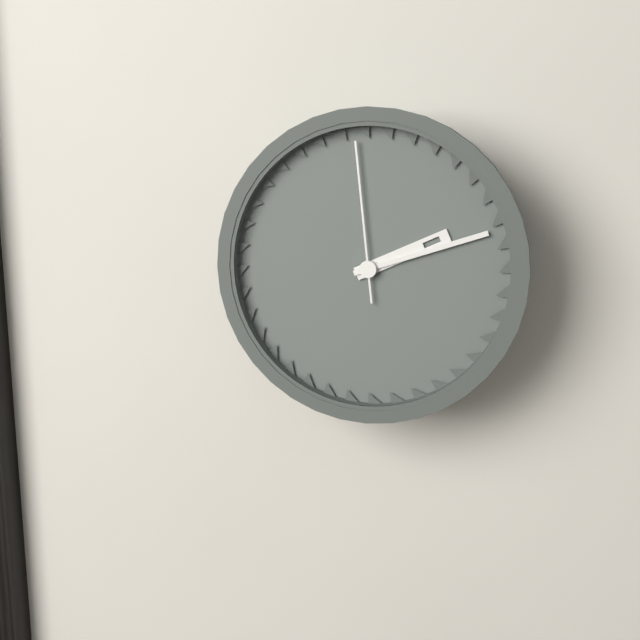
2:12:59
